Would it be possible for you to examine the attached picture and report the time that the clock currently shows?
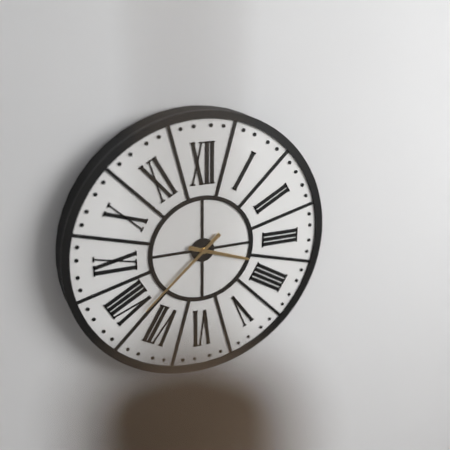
3:38
